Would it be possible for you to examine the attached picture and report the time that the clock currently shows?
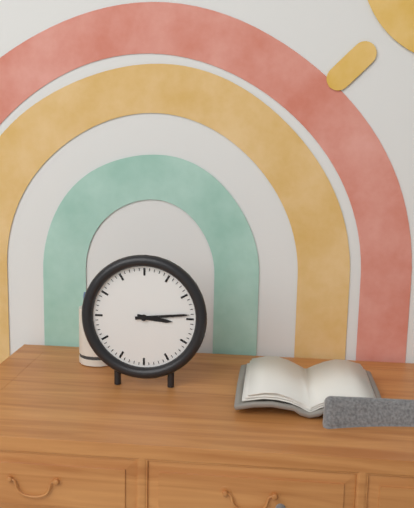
3:14
